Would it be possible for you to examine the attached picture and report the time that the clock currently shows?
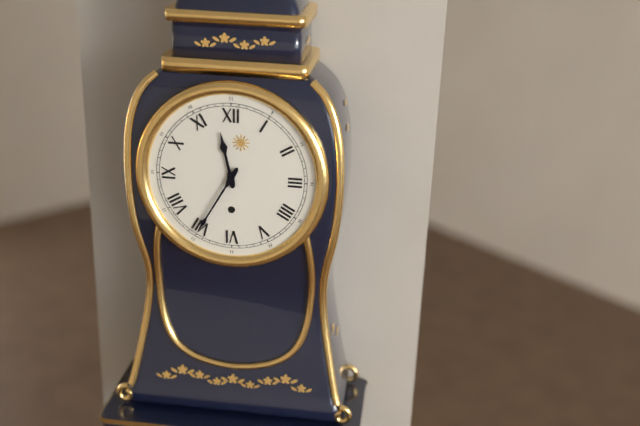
11:35
